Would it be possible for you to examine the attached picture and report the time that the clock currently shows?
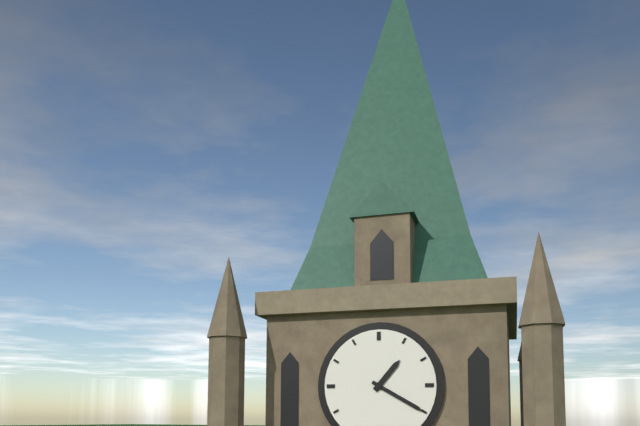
1:20
